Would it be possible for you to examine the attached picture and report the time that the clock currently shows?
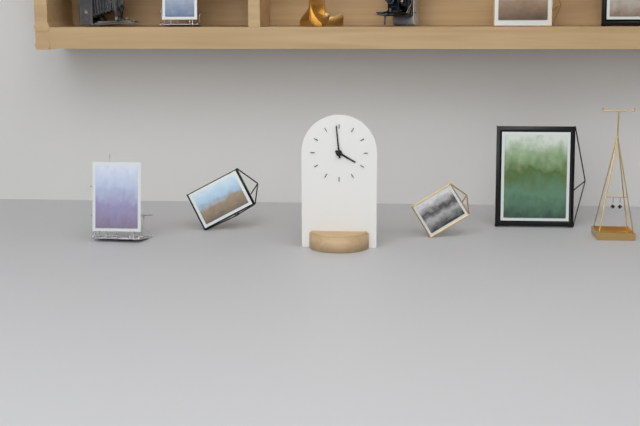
3:59
